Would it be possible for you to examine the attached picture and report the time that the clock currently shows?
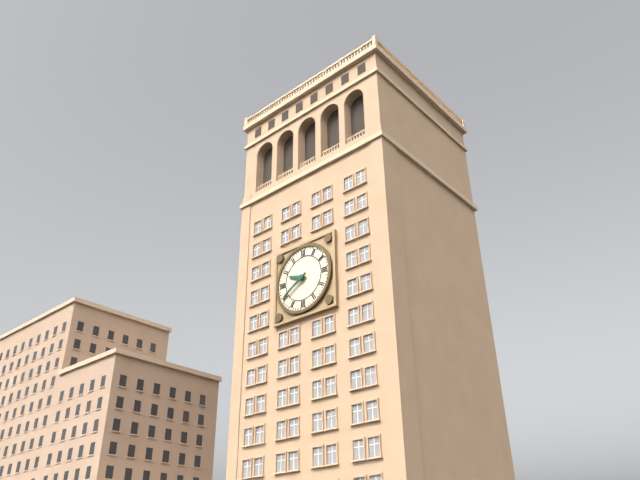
9:40
